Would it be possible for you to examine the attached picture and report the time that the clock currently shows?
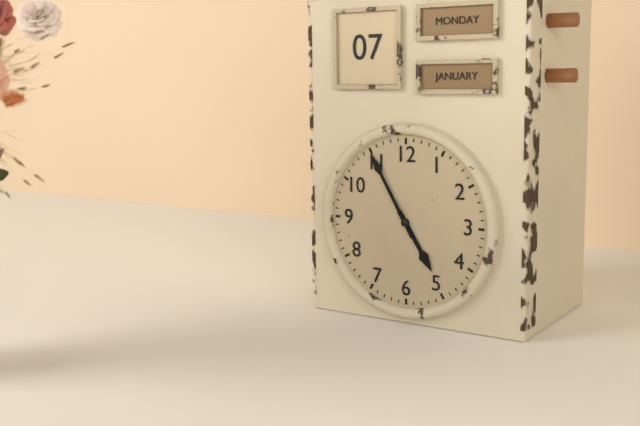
4:55
